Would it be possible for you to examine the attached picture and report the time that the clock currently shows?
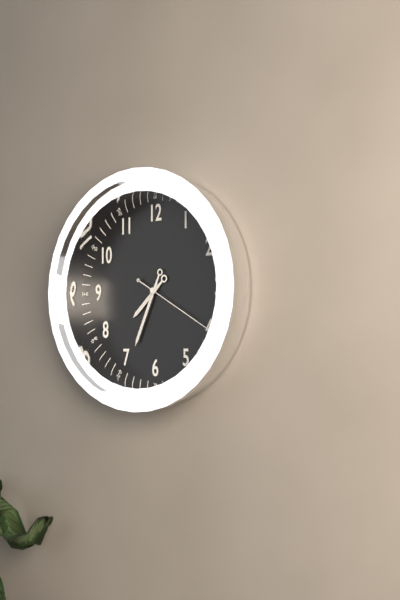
7:34:20
